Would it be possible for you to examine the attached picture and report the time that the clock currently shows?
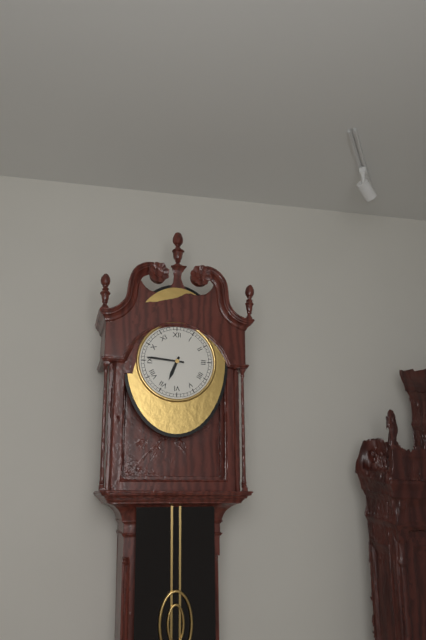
6:46
